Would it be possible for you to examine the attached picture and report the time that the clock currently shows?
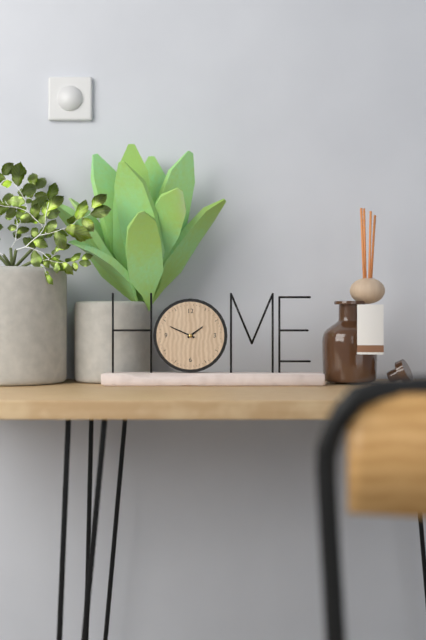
1:49
